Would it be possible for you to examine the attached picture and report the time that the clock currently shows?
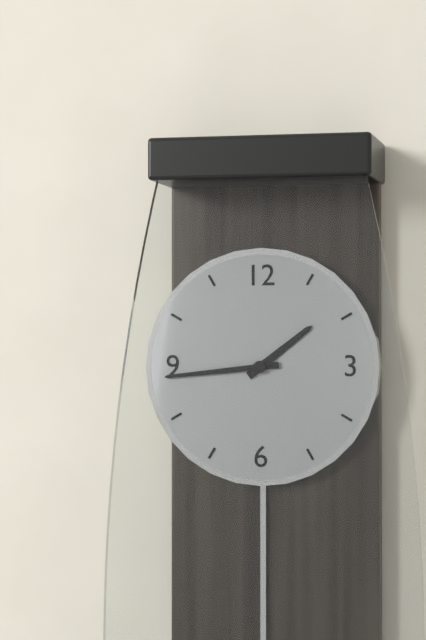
1:44
